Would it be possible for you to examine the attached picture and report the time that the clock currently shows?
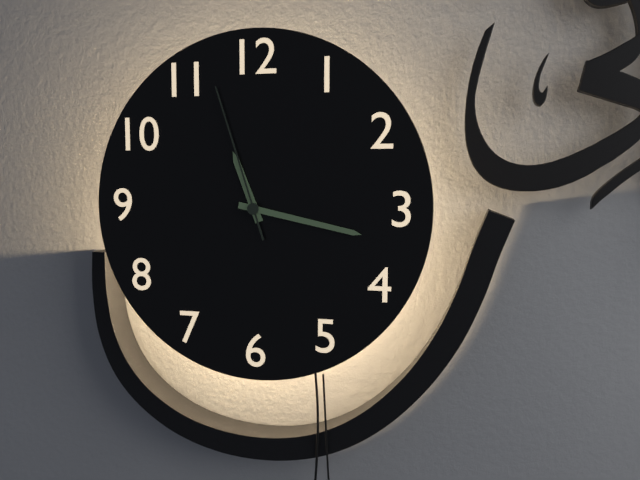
11:17:57
